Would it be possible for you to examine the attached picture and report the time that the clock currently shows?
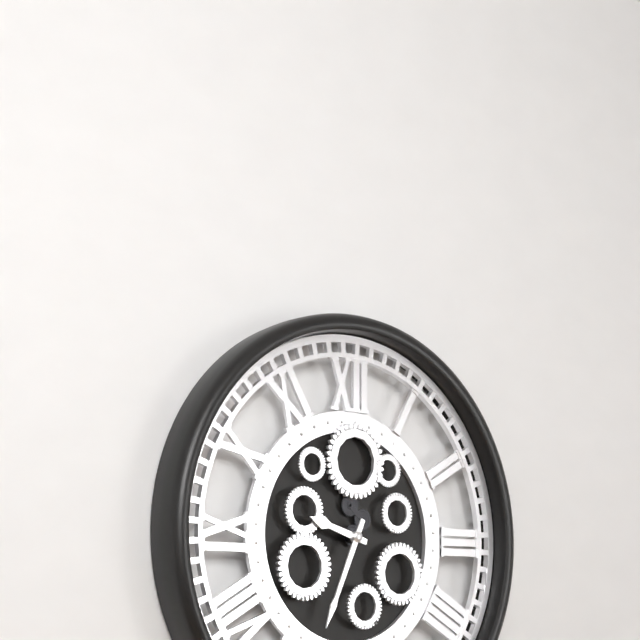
9:34
